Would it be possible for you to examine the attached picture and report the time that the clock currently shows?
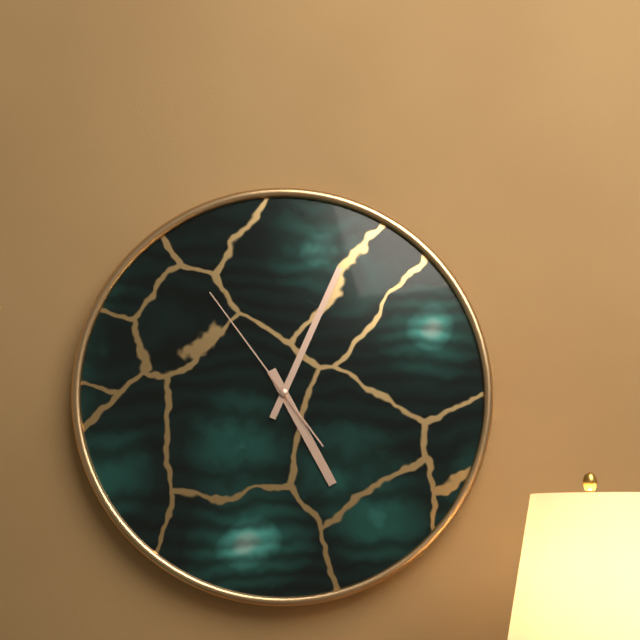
5:04:54
